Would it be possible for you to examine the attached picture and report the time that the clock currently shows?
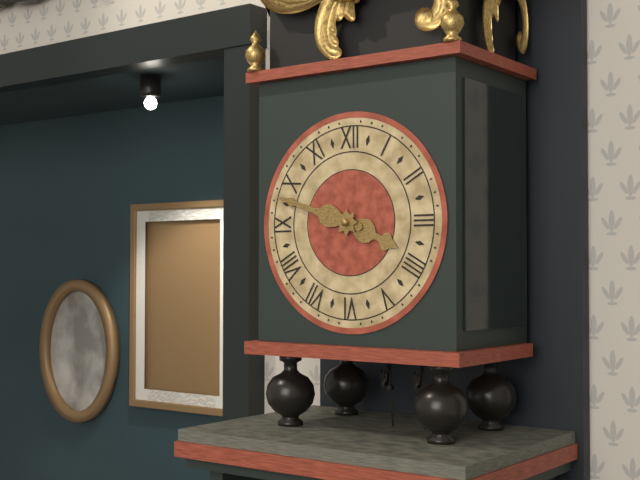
3:48
